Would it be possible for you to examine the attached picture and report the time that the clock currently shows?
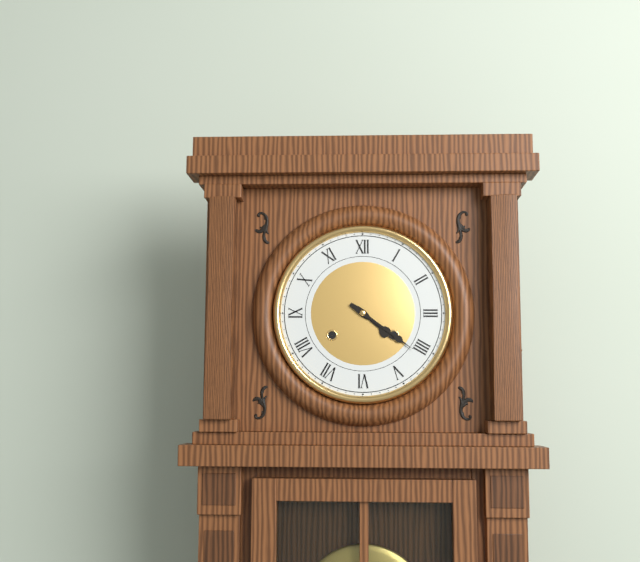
4:21
